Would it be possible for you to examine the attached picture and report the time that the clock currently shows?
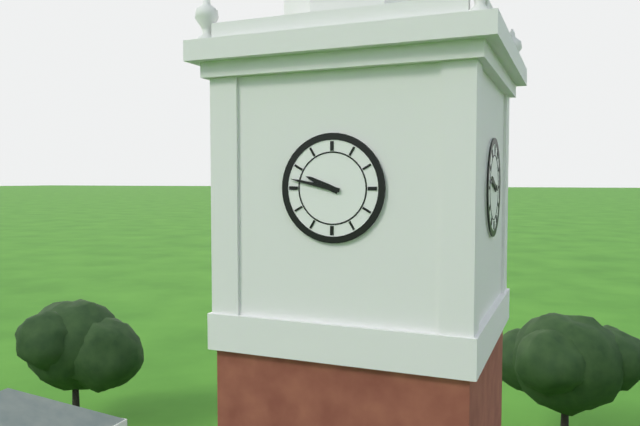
9:47
